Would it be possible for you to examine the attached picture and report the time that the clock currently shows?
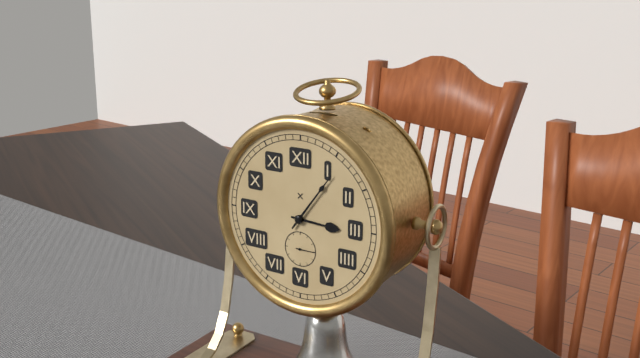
3:06
